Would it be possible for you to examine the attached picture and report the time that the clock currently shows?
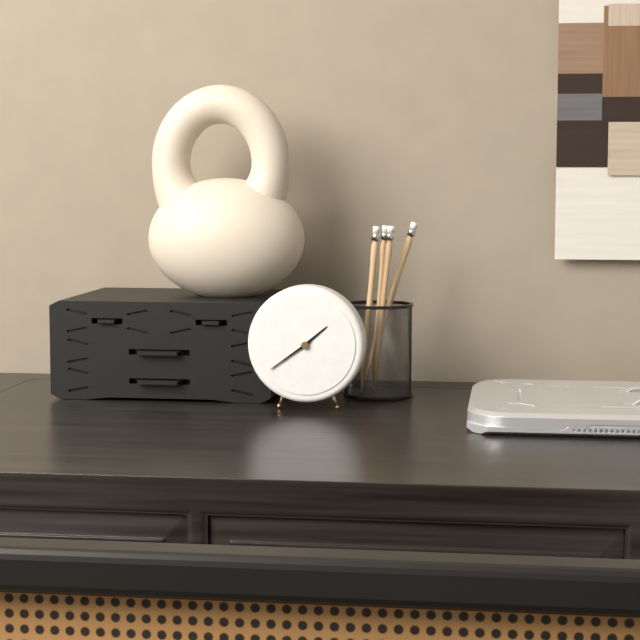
1:39
